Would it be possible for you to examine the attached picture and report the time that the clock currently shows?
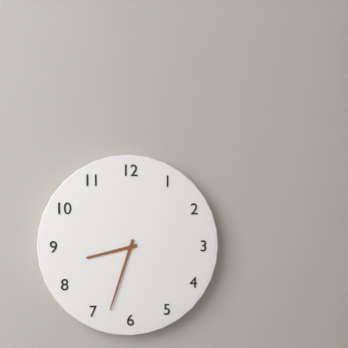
8:33
